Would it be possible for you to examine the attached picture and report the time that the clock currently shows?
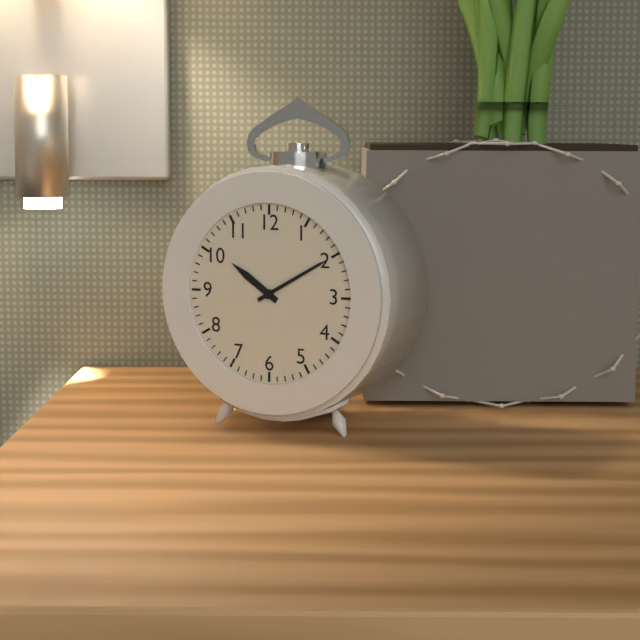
10:10
